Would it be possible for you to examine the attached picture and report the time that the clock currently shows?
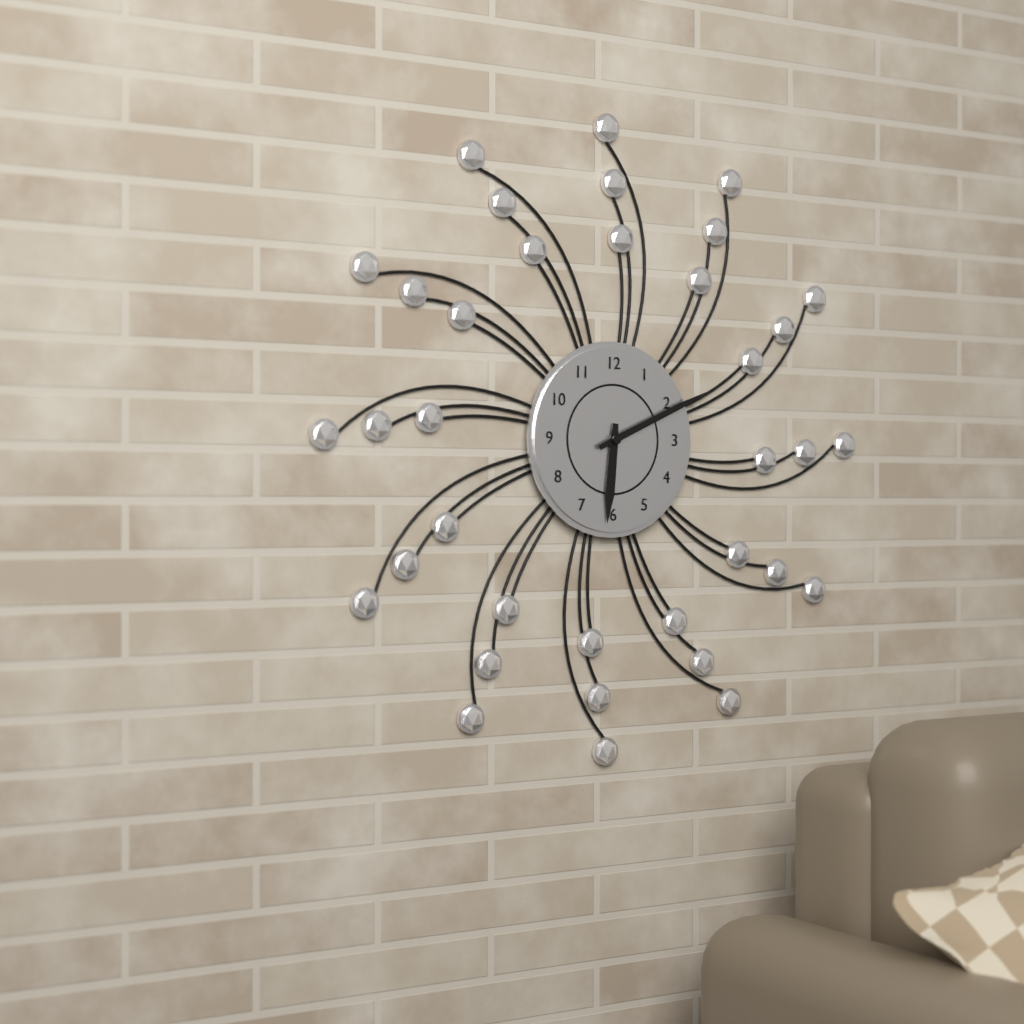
6:11
